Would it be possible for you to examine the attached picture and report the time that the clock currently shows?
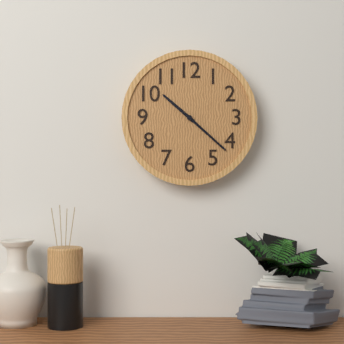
10:22:22
